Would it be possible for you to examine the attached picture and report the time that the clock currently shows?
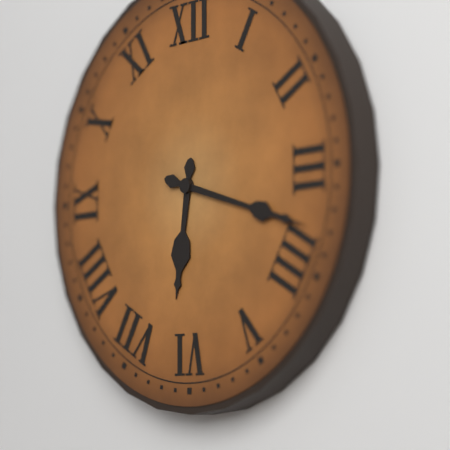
6:18
